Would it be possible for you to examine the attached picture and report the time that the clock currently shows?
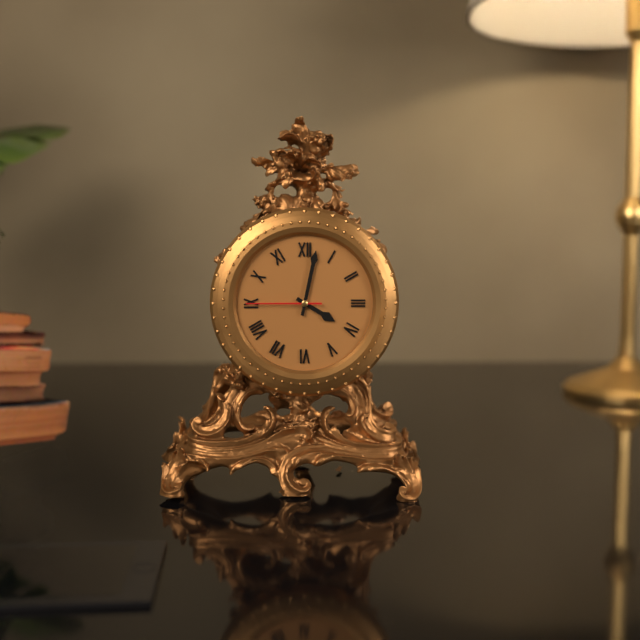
4:02:45
